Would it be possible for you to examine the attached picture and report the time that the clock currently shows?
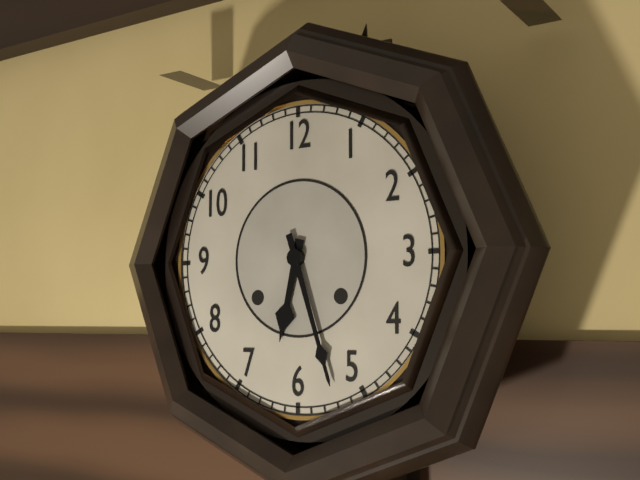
6:27
